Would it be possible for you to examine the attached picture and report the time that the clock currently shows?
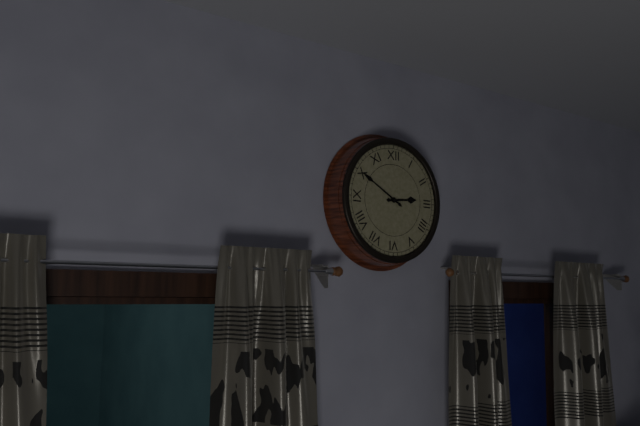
2:50
